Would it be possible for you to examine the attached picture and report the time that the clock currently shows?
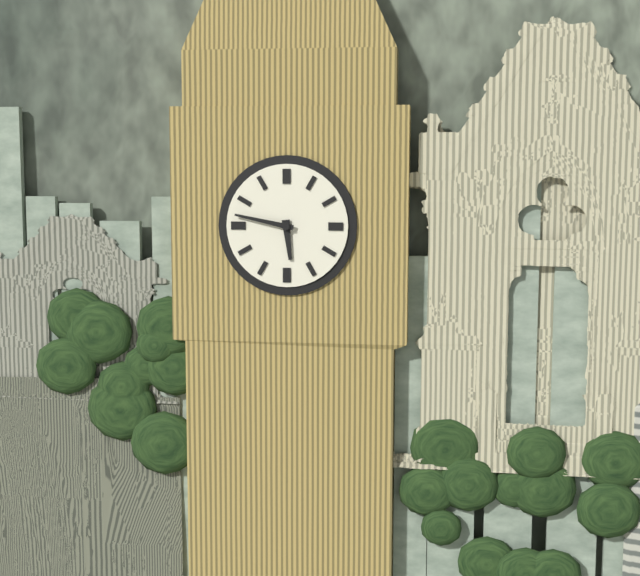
5:47
